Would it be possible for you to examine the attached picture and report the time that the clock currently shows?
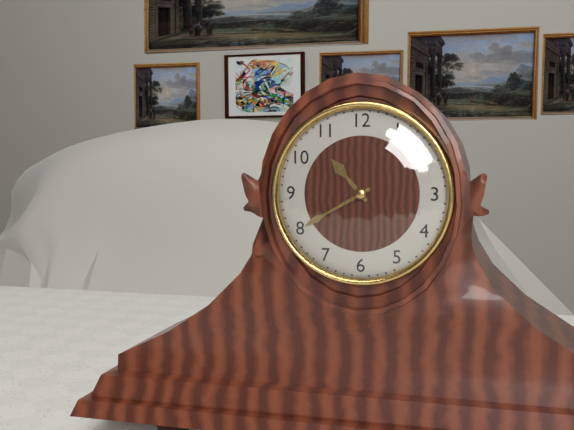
10:40
